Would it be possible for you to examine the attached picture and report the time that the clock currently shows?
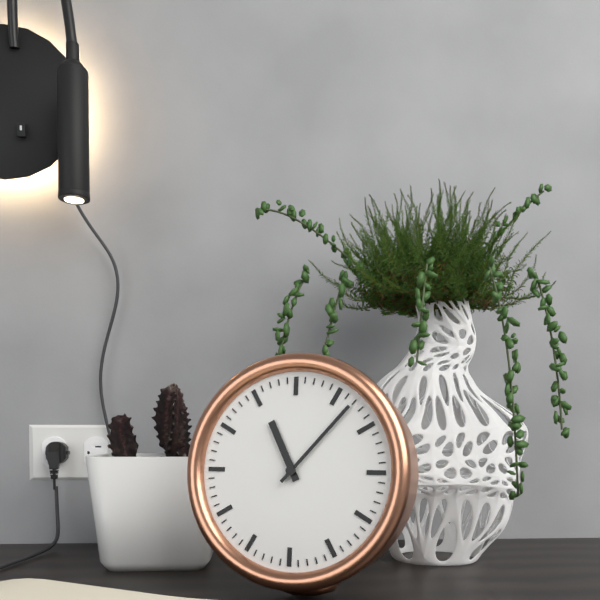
11:07
